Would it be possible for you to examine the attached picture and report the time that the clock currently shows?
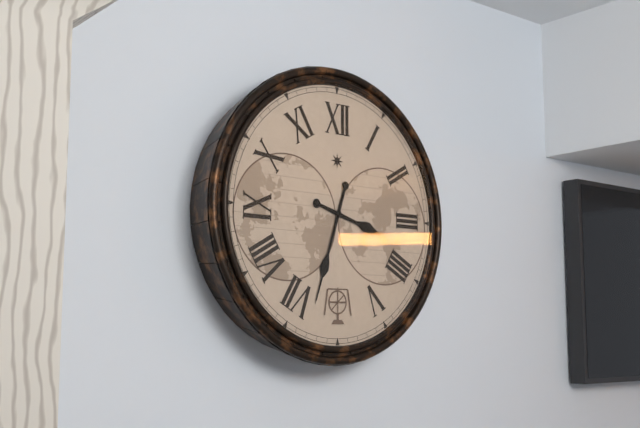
3:33
